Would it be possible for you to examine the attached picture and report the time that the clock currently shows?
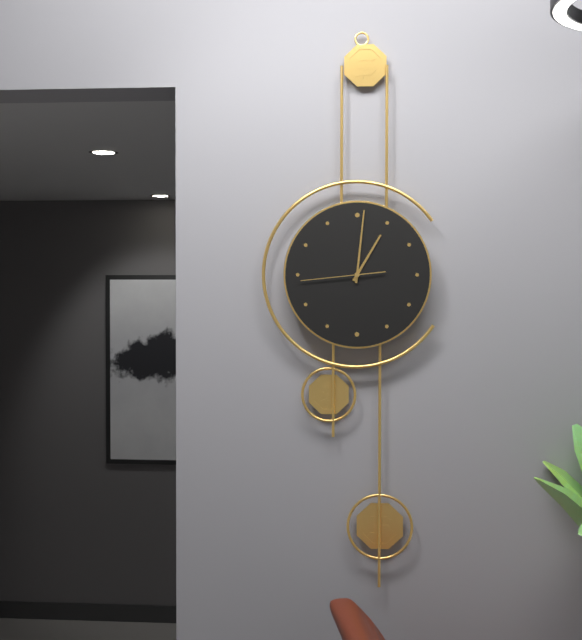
1:01:44
